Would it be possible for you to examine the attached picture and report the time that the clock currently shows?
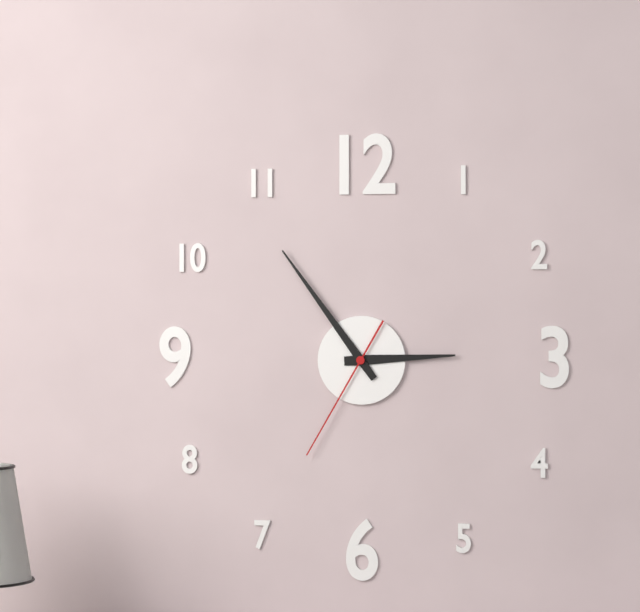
2:54:35
